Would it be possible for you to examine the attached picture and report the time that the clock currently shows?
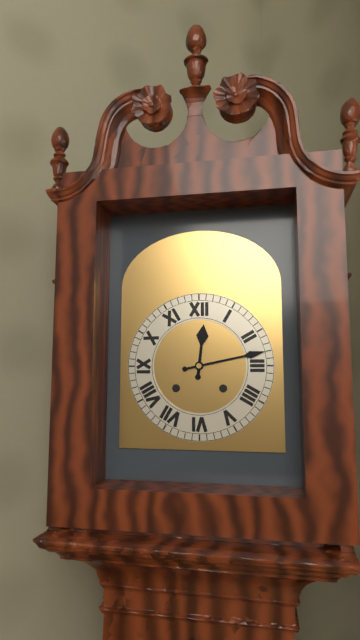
12:13
